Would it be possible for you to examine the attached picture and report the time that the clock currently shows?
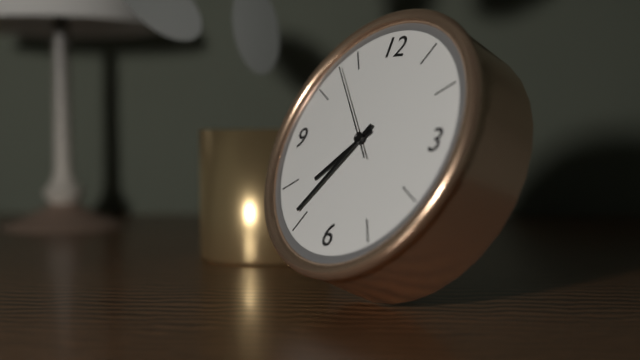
7:36:53
